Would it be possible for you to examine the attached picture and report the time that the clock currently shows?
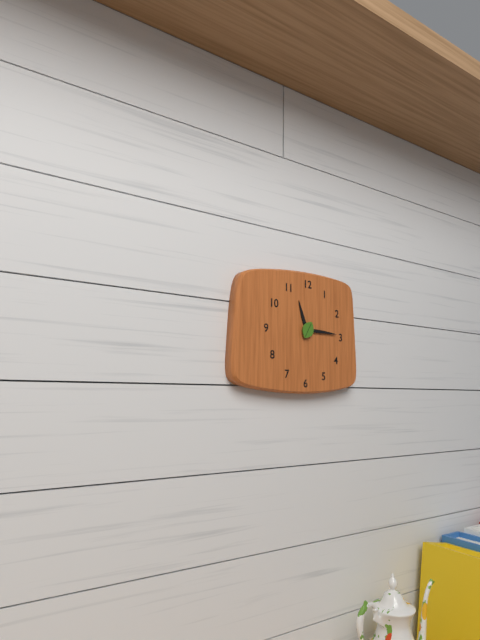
11:15
